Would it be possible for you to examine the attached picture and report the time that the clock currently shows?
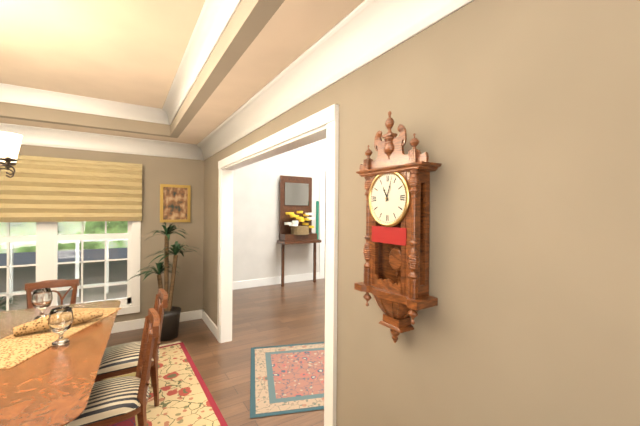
11:03
